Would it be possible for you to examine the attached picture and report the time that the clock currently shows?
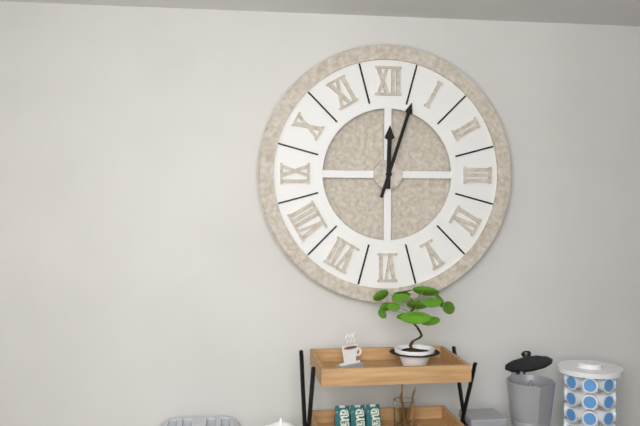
12:03
